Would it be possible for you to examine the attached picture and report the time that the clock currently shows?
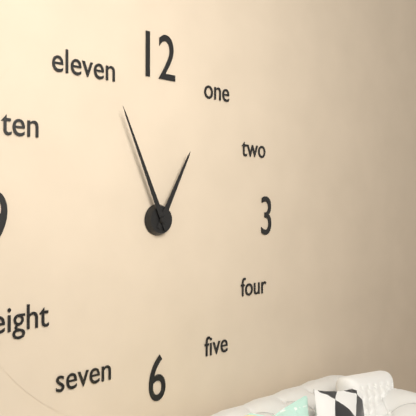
12:56
